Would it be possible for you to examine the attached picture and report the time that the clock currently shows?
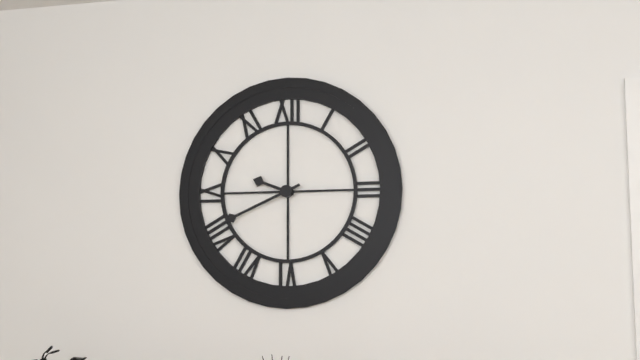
9:41
